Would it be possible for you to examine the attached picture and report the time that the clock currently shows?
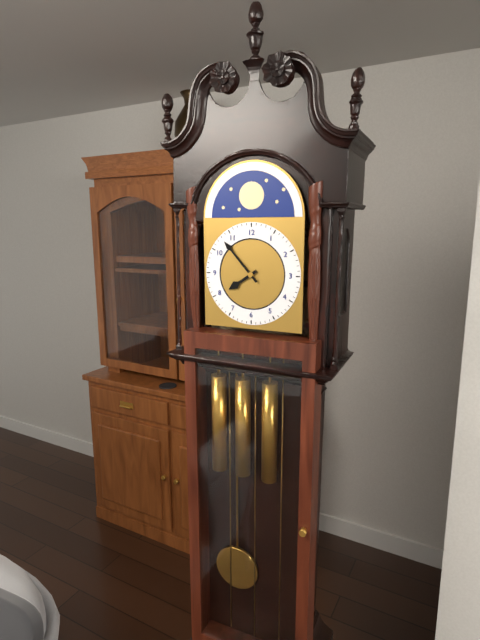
7:53
